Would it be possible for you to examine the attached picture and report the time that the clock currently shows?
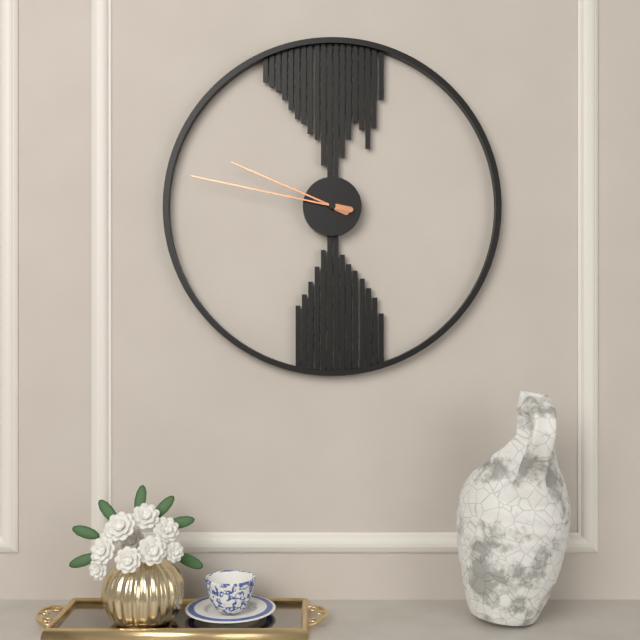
9:47
